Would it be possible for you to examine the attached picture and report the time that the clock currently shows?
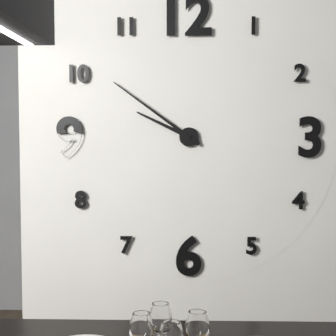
9:51
